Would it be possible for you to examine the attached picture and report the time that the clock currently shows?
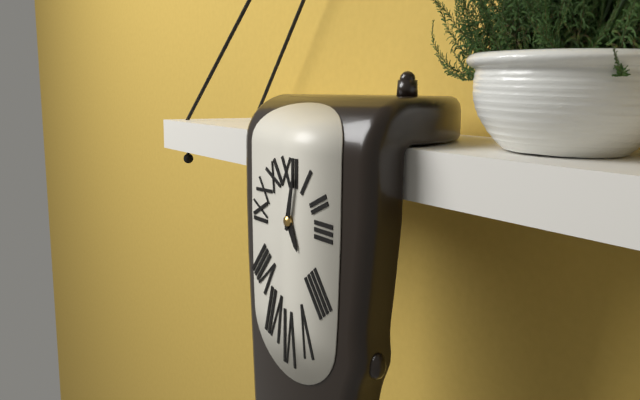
5:02
